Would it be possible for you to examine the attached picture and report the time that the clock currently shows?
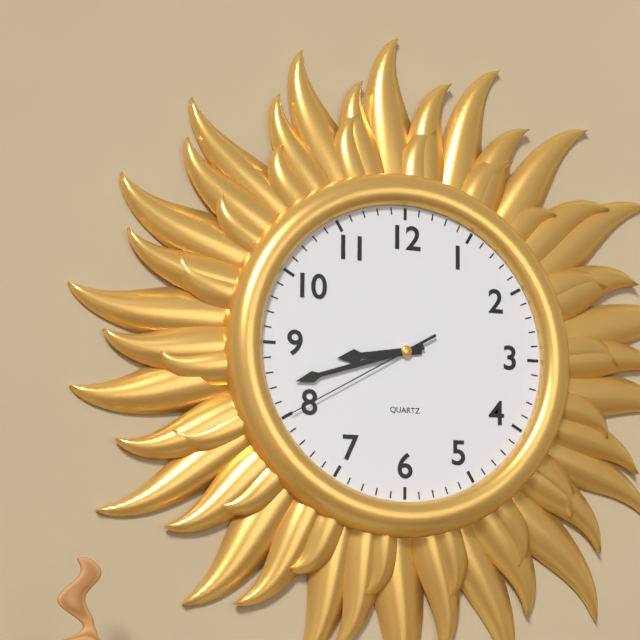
8:42:40
